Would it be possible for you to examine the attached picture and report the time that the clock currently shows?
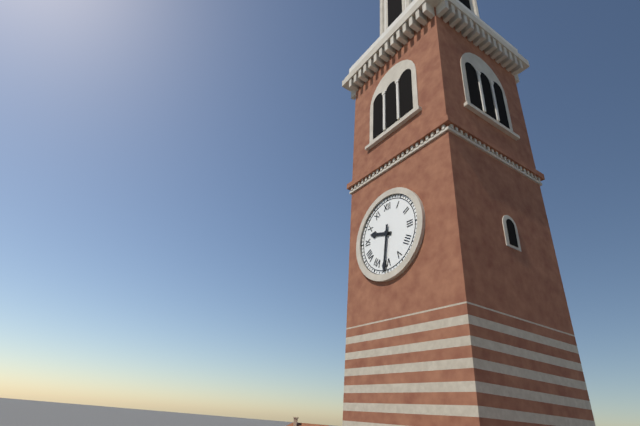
9:31
